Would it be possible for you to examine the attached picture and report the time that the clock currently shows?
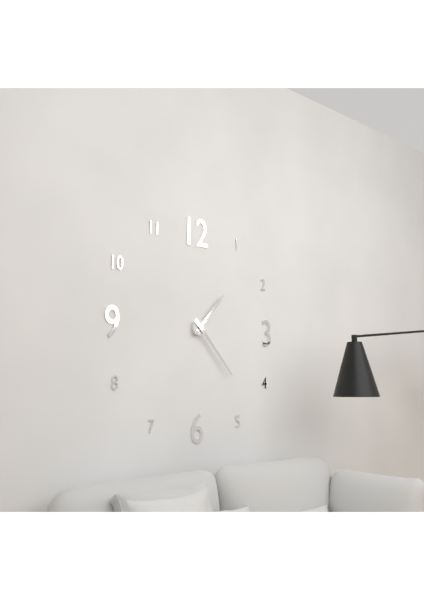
1:23
